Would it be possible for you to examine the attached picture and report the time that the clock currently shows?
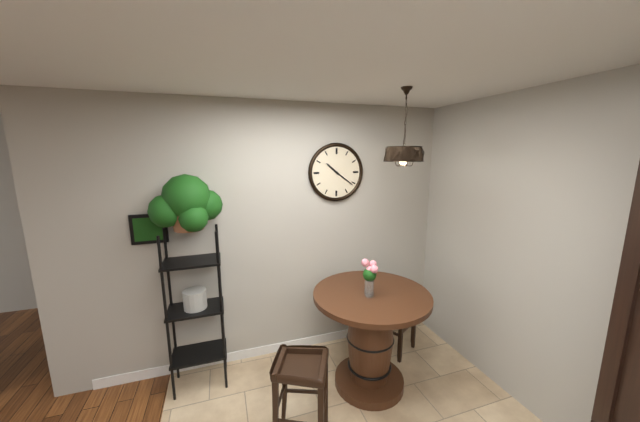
10:21
